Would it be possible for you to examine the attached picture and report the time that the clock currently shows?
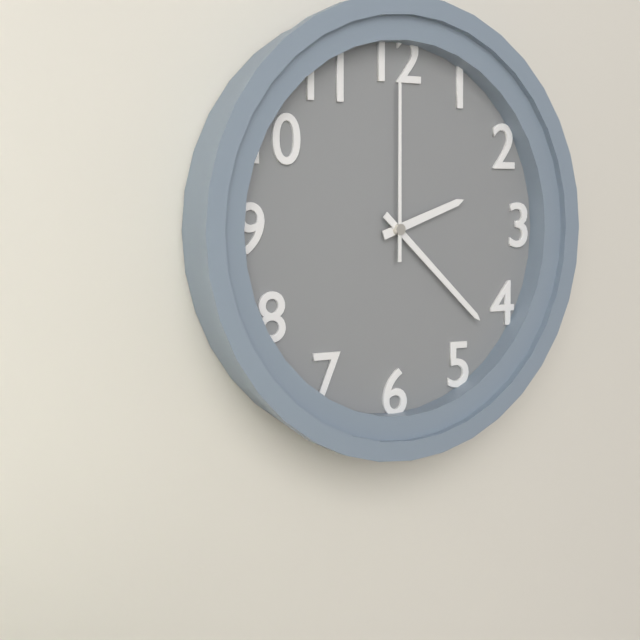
2:22:00
